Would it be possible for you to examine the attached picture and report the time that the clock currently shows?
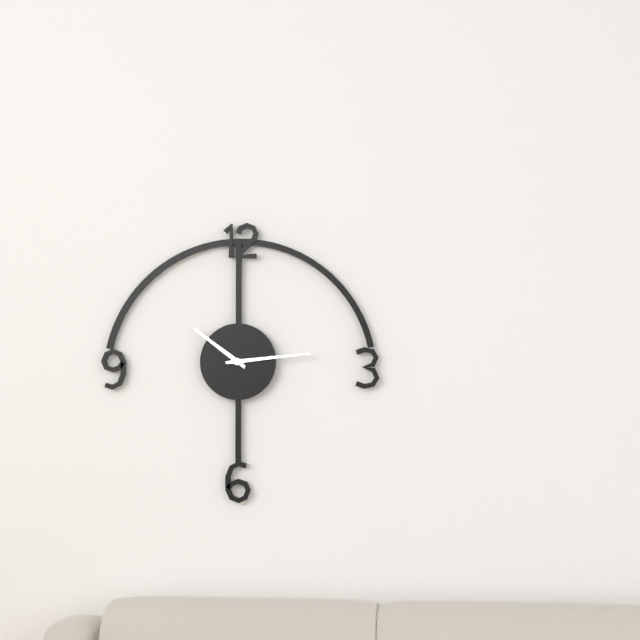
10:14
